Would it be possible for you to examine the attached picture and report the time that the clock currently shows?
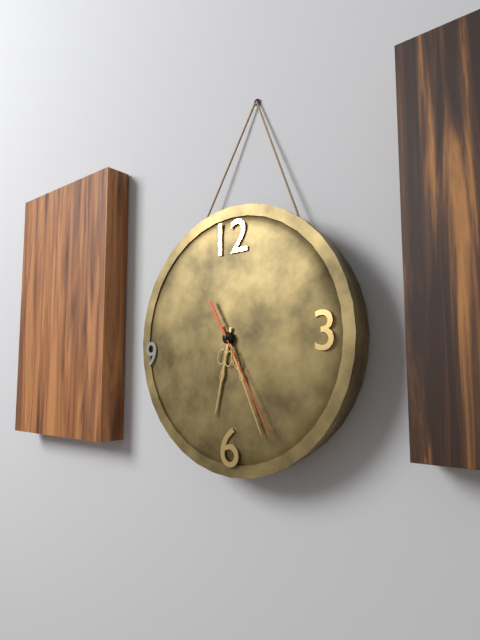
6:26:25
